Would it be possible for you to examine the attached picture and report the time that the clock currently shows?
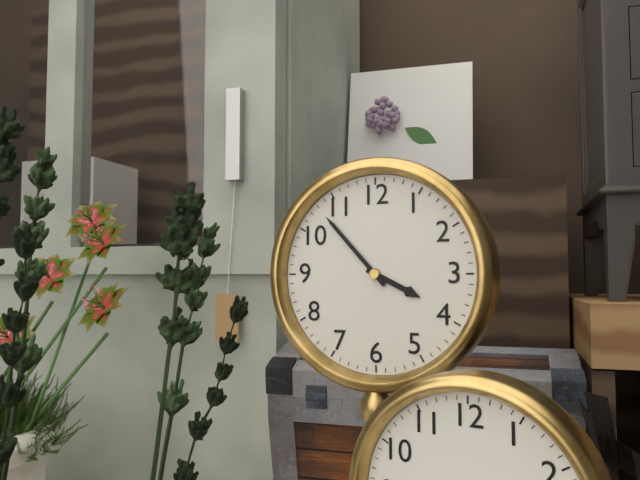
3:53
